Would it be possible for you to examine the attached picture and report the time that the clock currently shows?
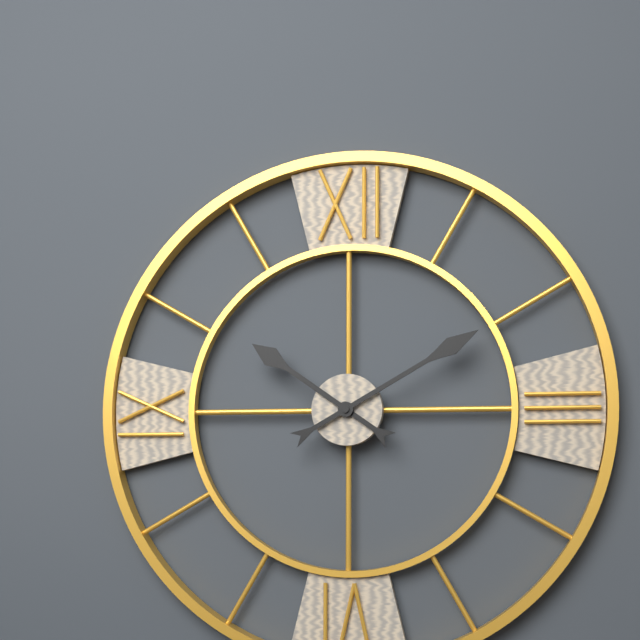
10:10
